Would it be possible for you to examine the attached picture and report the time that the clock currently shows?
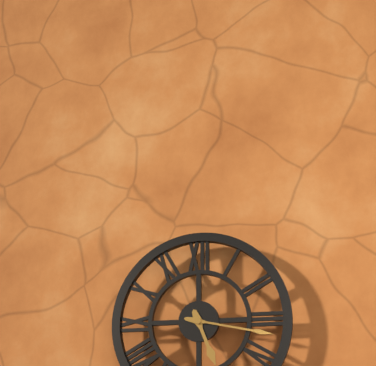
5:17
